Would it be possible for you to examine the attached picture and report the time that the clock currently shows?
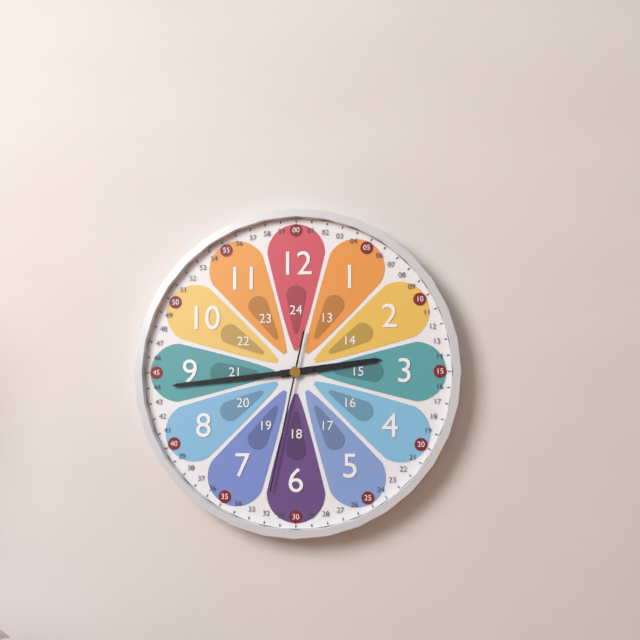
2:44:32
